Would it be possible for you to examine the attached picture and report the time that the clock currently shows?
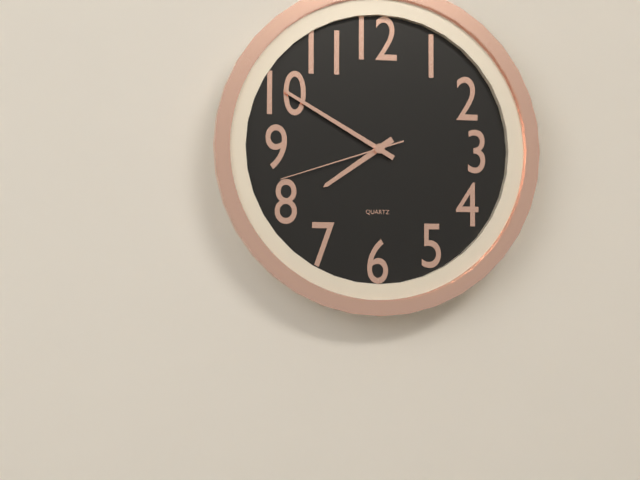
7:50:42
